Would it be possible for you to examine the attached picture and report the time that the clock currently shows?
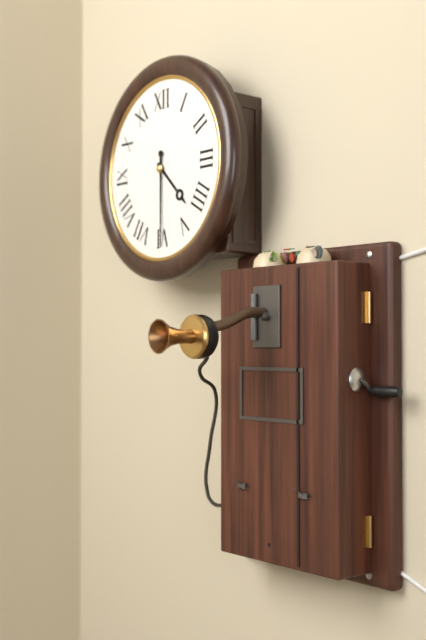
4:30
